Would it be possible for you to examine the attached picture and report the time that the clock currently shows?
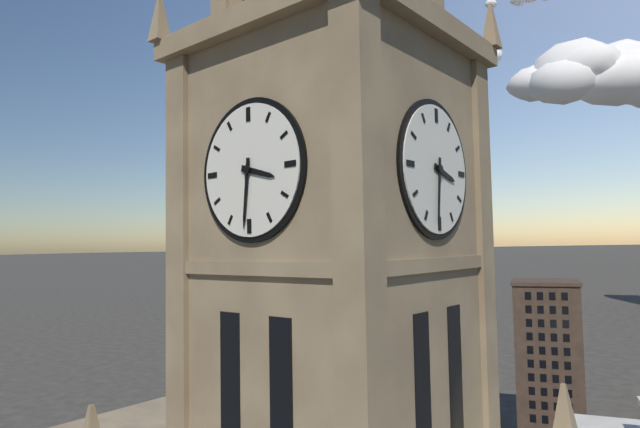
3:31
